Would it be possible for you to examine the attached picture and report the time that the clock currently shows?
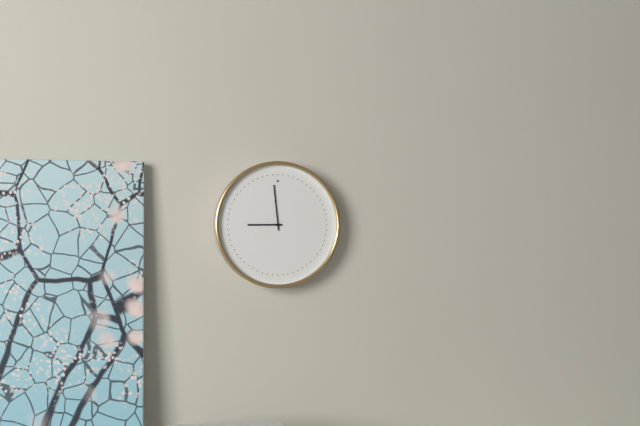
8:59
